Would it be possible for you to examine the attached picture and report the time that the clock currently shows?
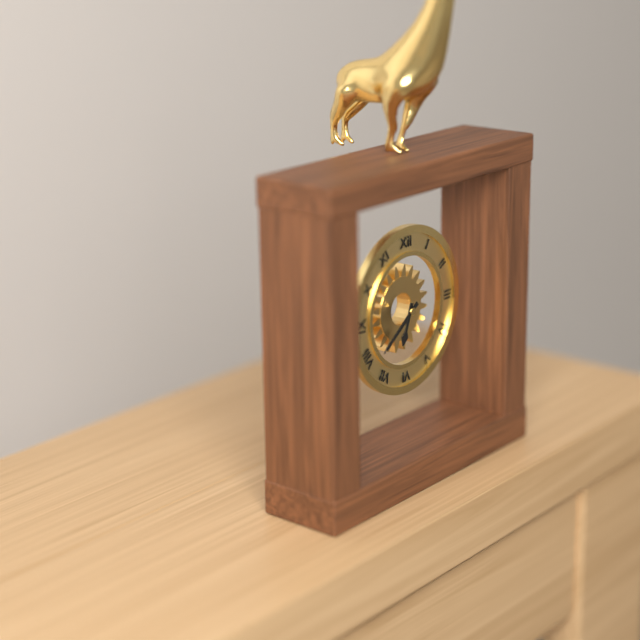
6:39
